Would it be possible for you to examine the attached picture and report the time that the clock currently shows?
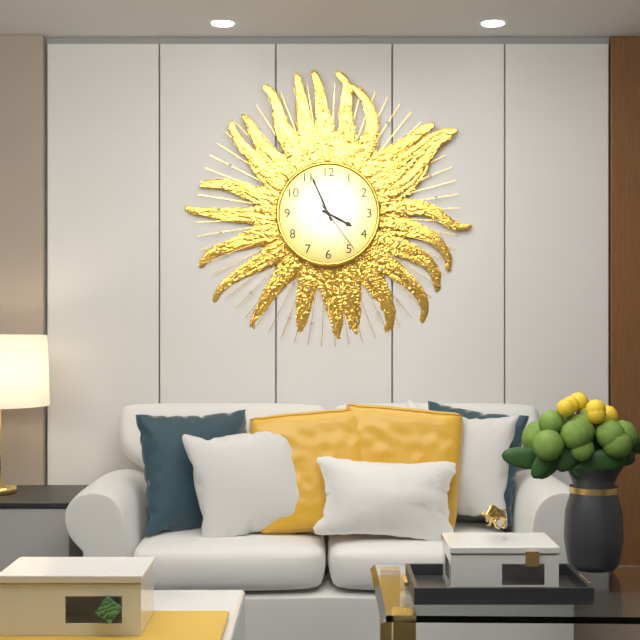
3:56:24
